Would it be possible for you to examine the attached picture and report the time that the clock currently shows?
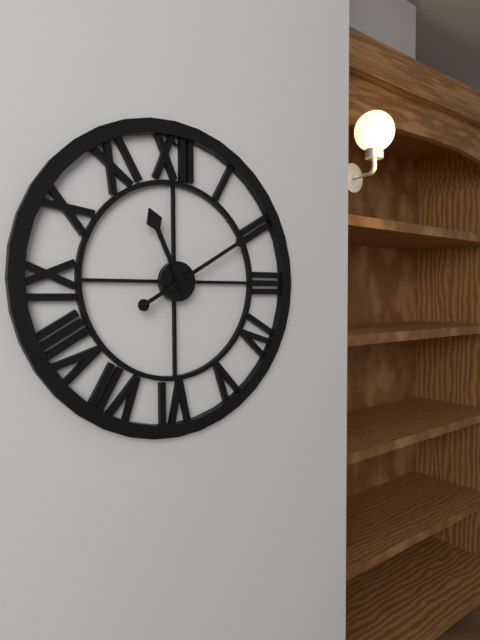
11:10
